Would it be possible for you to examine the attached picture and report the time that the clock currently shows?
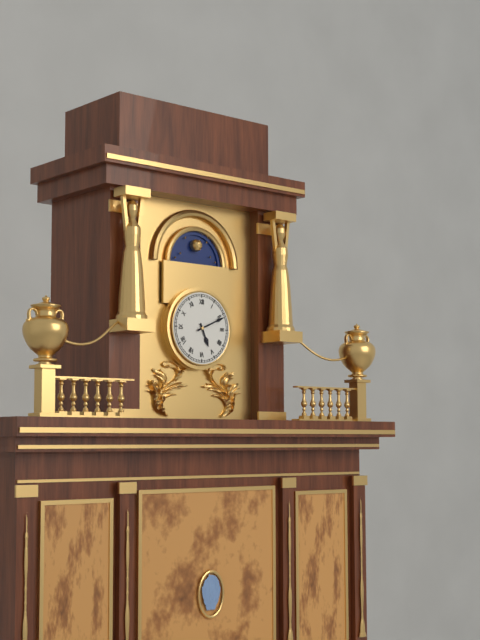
5:11
